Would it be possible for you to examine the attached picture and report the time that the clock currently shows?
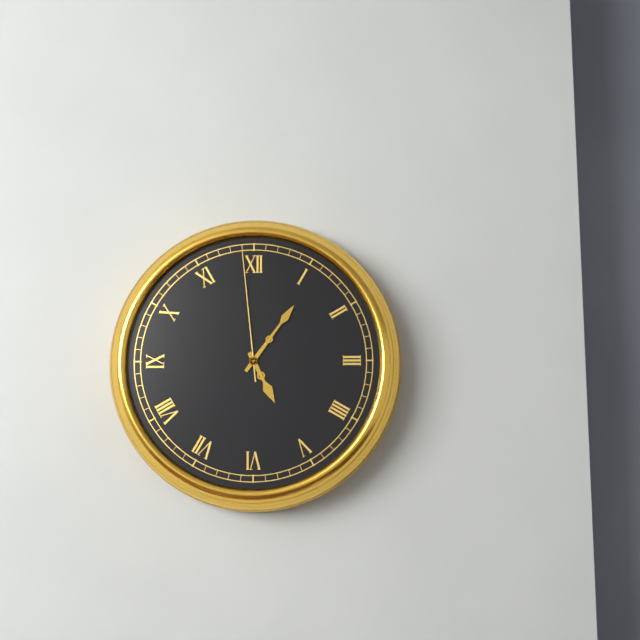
5:06:59
